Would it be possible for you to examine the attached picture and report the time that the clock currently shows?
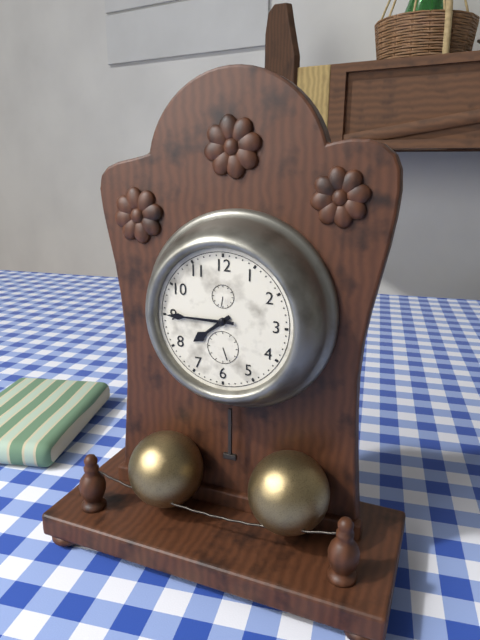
7:45
